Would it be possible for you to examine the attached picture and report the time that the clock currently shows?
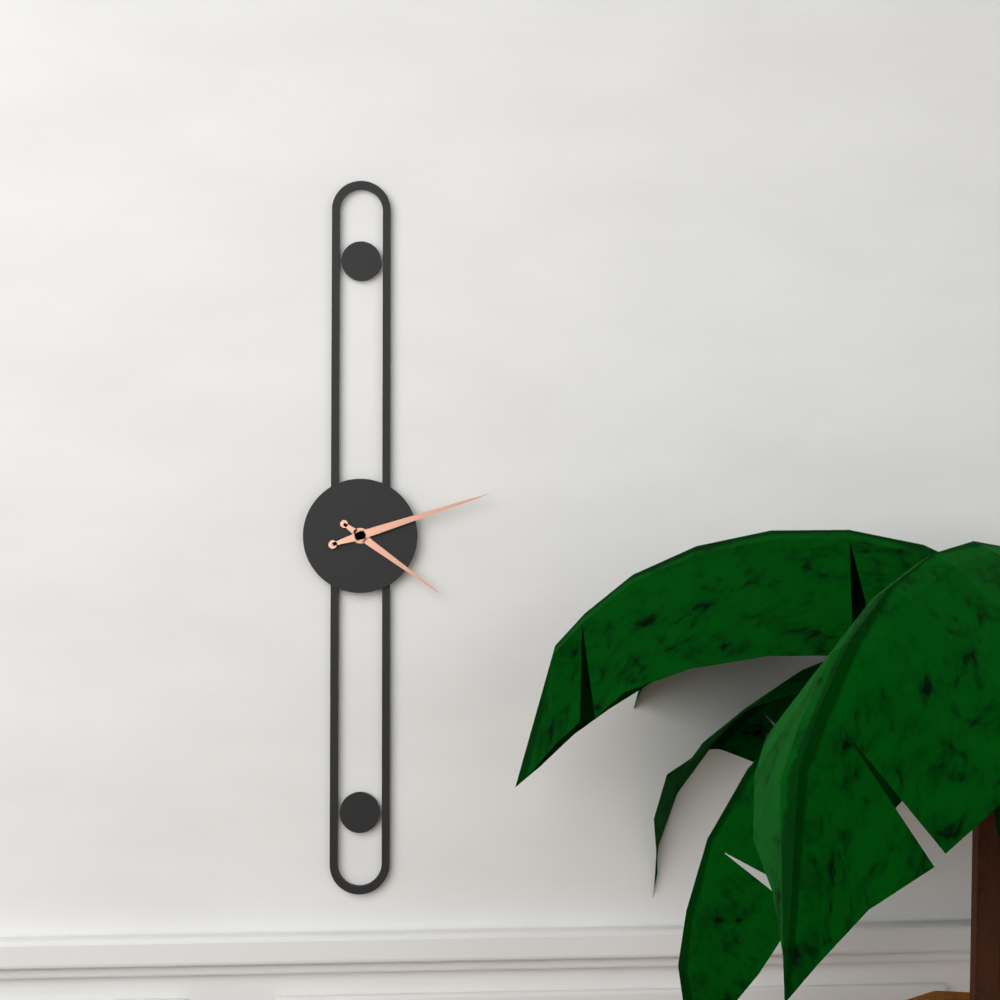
4:12
